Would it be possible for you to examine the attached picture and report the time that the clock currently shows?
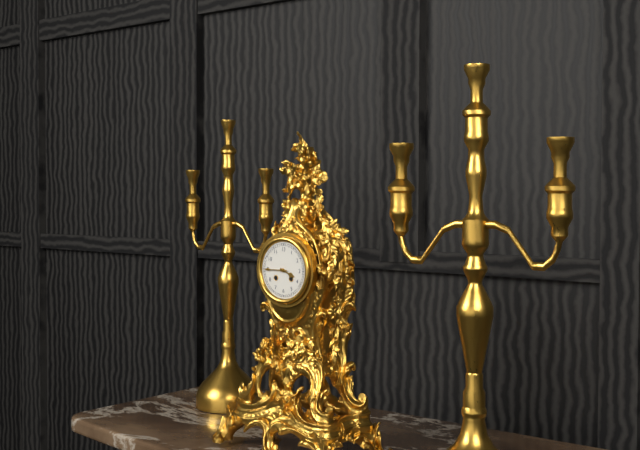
3:45
